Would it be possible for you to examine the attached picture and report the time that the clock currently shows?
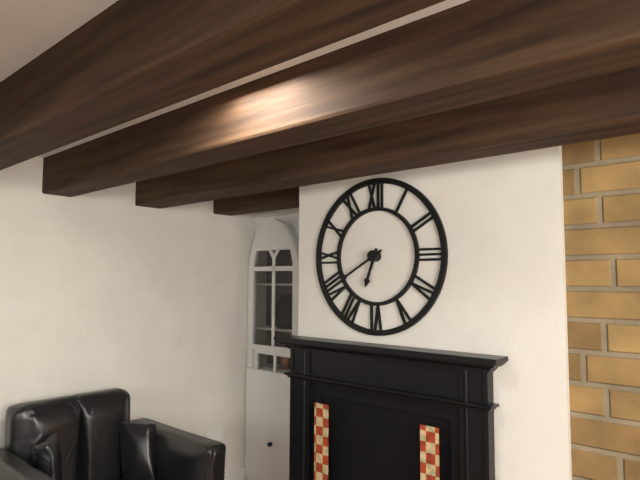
6:40
